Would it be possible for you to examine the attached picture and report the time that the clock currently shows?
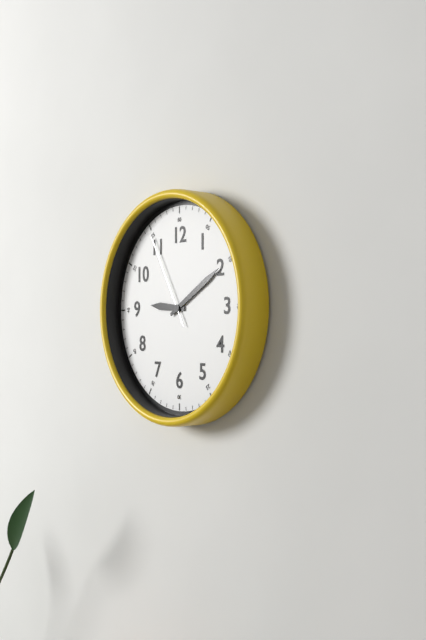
9:10:55
